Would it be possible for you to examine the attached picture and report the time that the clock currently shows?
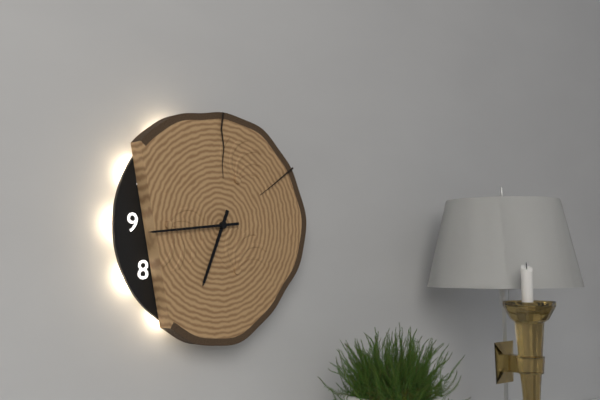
6:44
